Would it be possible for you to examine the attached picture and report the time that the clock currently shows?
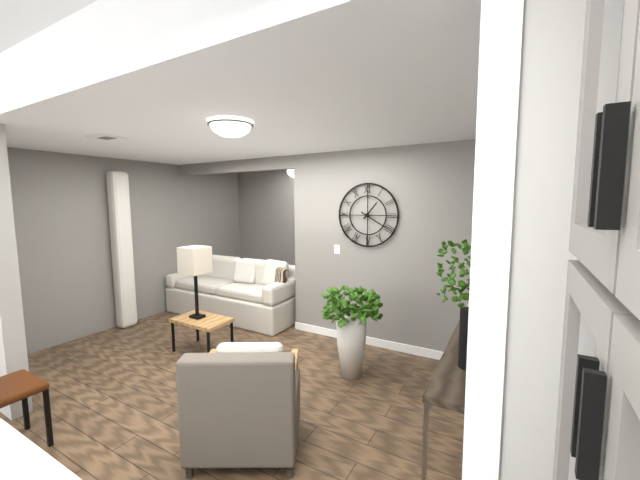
1:20
